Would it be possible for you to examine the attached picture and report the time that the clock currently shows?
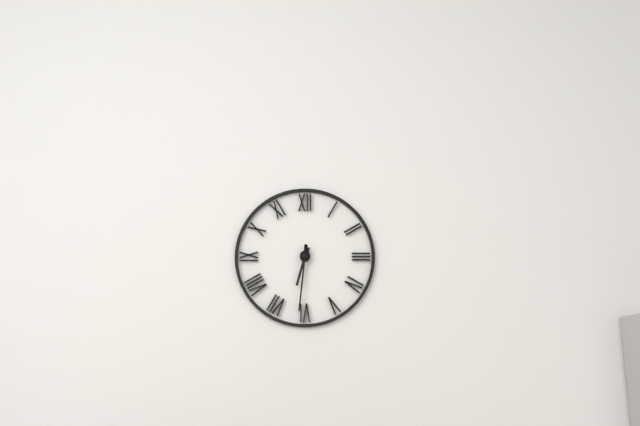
6:31
